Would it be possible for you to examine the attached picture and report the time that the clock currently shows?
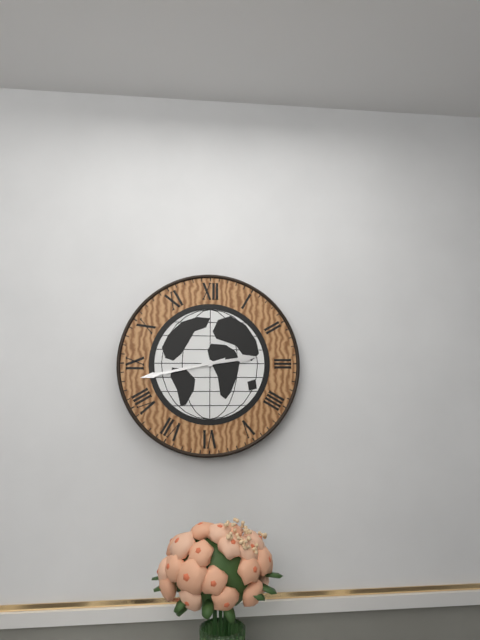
2:43
